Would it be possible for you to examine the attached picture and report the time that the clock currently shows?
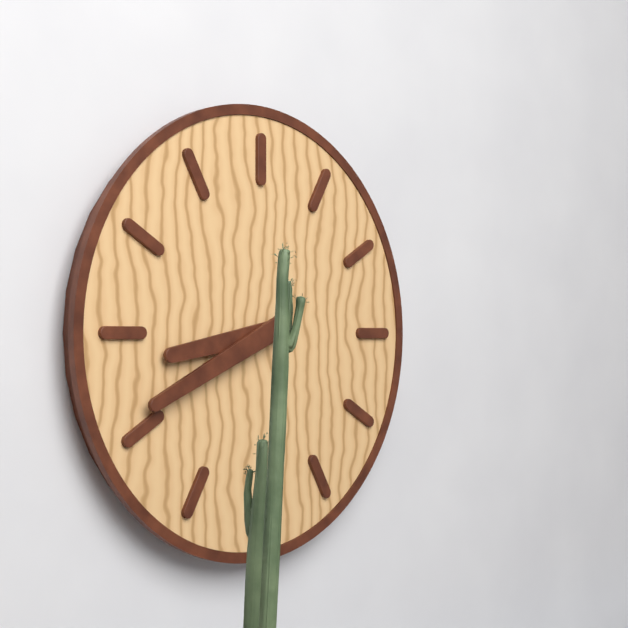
8:41
